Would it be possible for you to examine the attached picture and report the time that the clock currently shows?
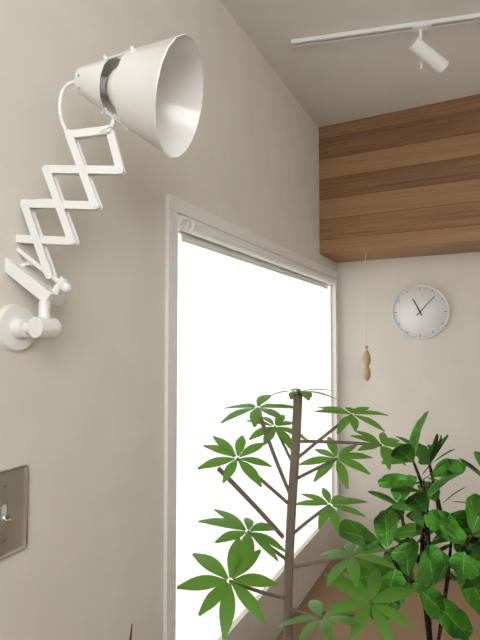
11:07
